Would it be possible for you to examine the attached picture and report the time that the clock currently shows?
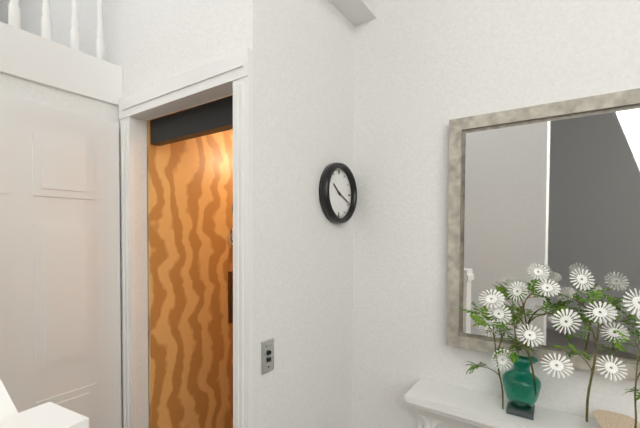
10:19
